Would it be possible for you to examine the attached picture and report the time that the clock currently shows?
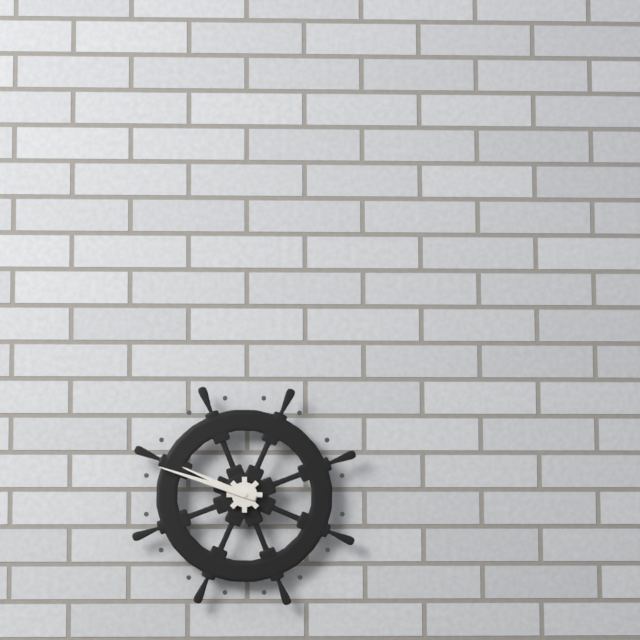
9:48
